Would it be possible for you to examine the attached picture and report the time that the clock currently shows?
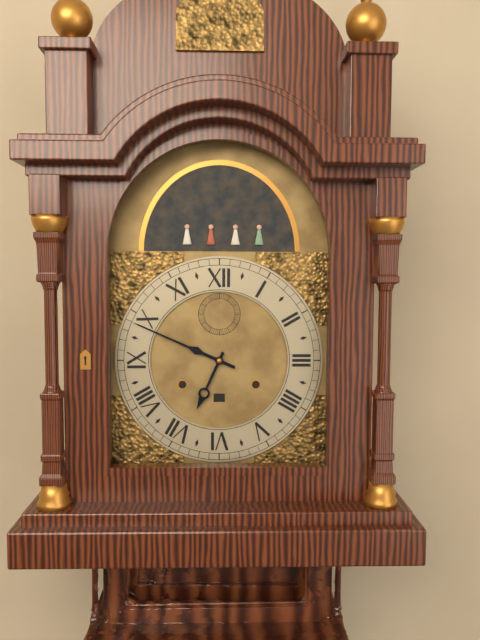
6:49
